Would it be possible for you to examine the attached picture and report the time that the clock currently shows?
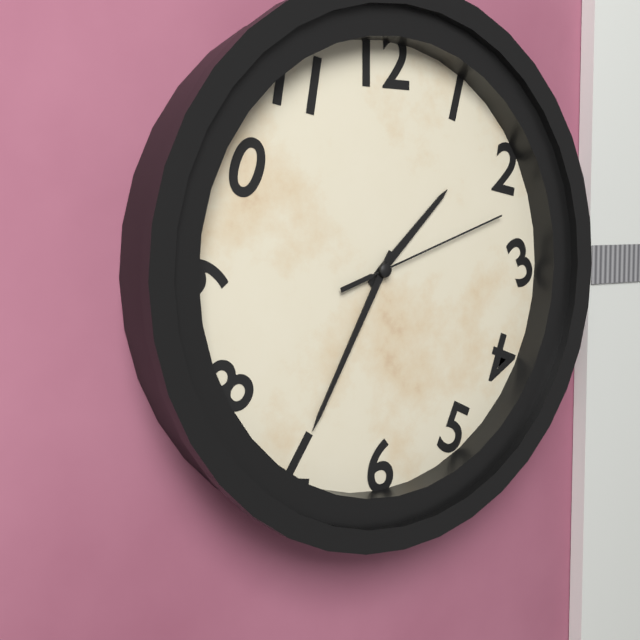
1:35:12
